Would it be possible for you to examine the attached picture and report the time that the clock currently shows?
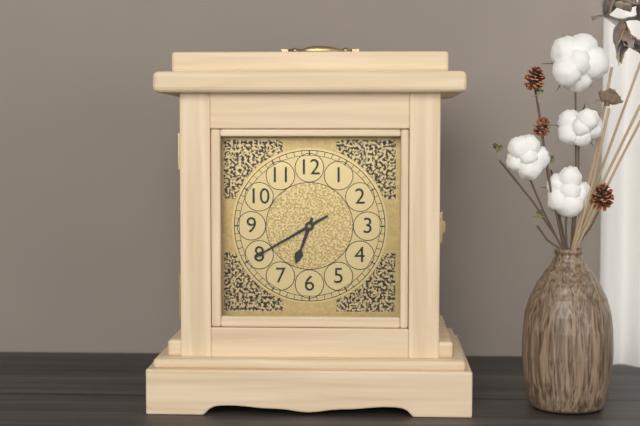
6:40
